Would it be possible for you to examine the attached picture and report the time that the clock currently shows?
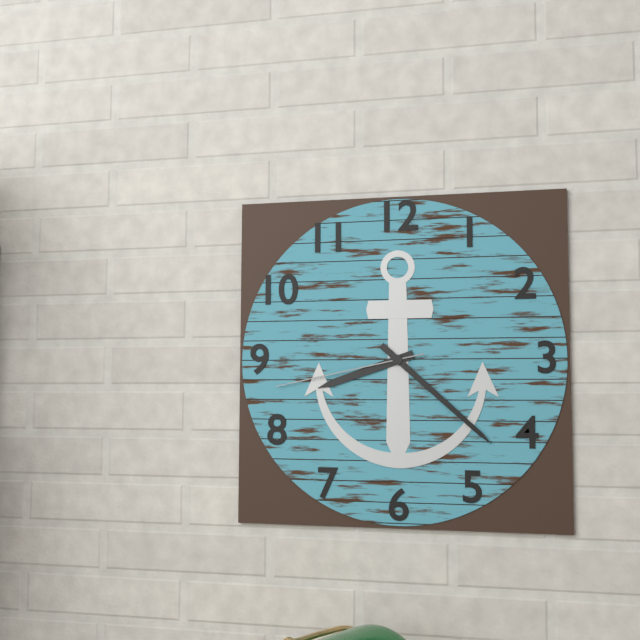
8:22:43
